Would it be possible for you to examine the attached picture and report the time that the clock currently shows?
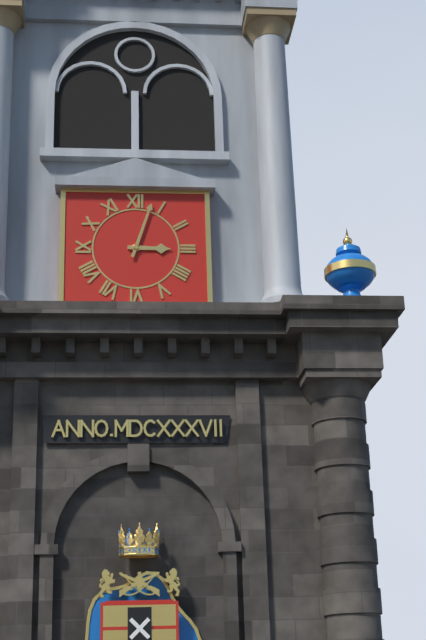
3:03
